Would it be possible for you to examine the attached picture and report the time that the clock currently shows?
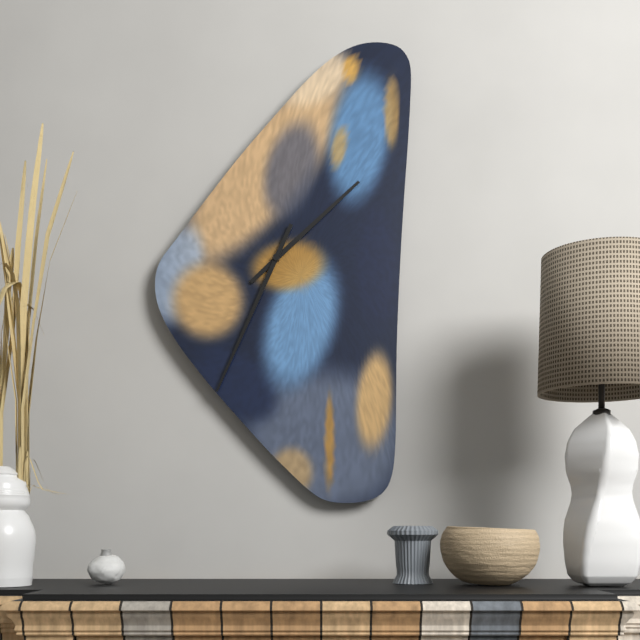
1:34
